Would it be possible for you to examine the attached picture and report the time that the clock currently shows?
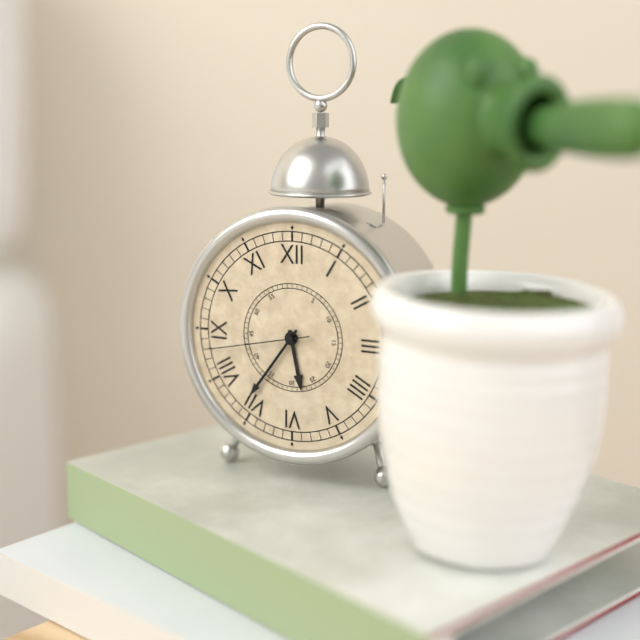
5:36:43
